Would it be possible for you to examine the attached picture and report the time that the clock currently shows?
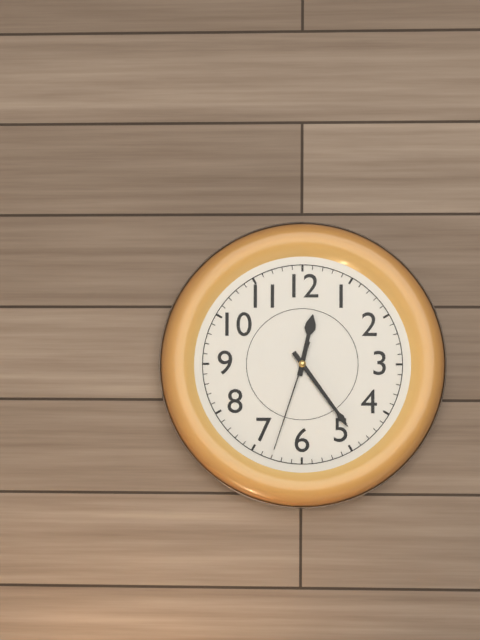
12:24:33
